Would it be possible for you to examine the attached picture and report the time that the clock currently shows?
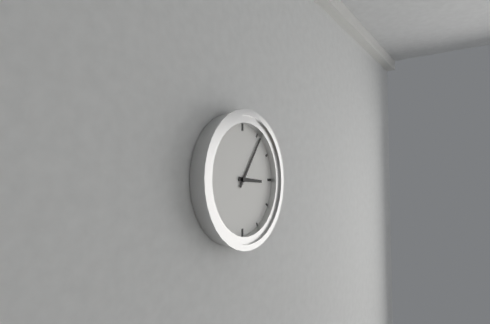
3:06
